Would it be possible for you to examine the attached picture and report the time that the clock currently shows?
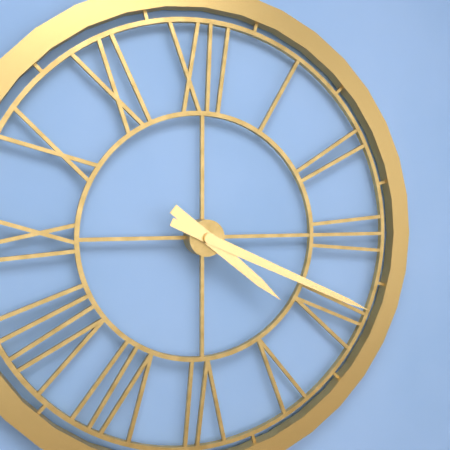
4:19
